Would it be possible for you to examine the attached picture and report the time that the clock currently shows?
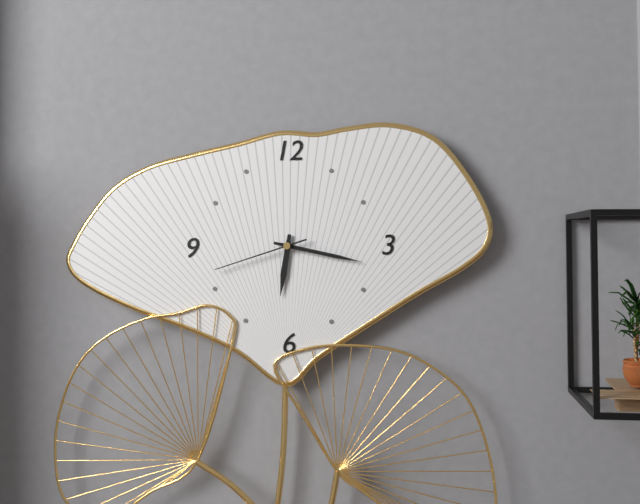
6:17:42
